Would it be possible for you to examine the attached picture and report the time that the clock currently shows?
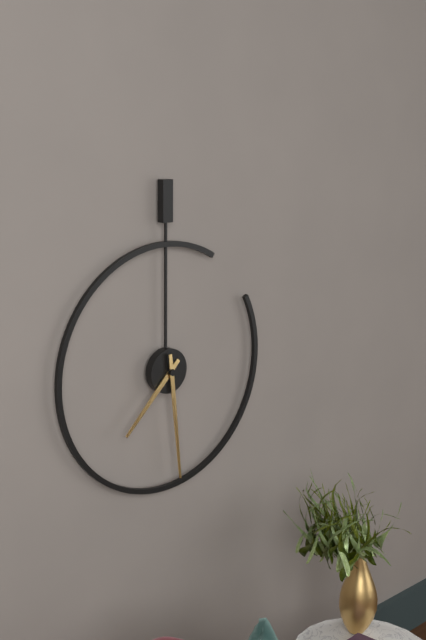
7:29
